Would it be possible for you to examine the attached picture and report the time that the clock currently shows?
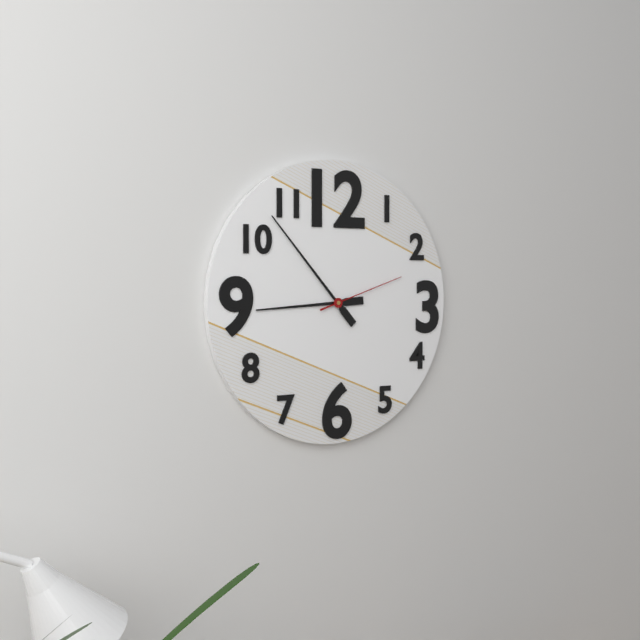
8:53:12
